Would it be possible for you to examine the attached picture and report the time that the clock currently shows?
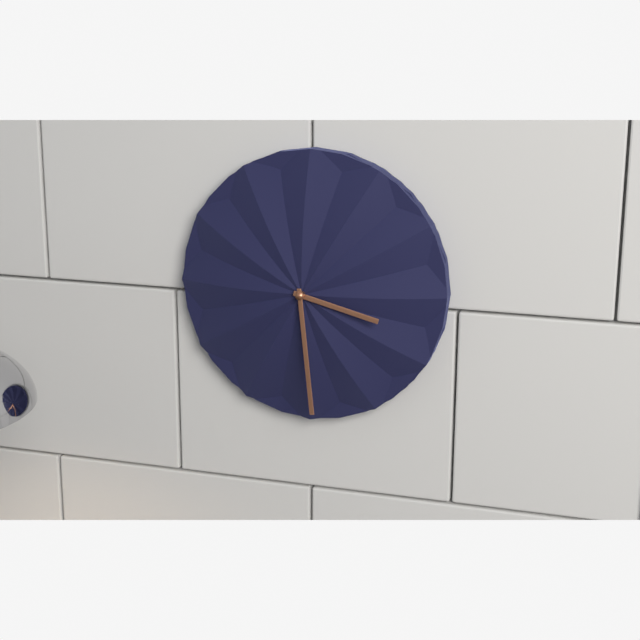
3:29
